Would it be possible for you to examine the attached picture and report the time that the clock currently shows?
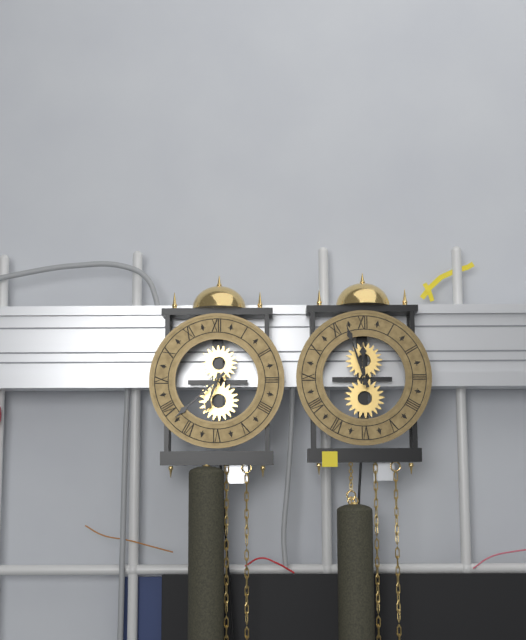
6:38
